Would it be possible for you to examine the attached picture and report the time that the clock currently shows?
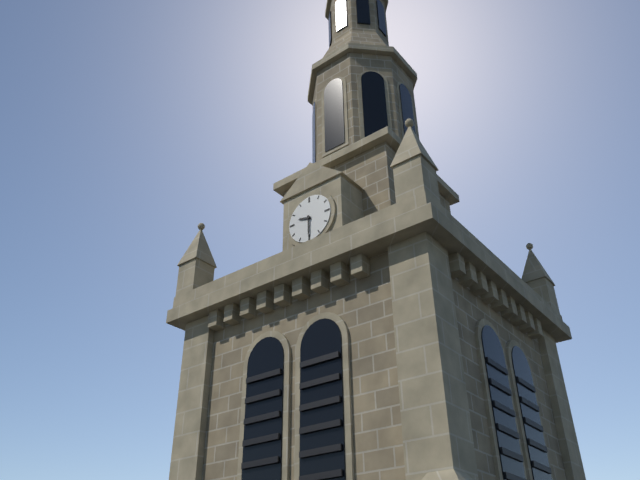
9:30
